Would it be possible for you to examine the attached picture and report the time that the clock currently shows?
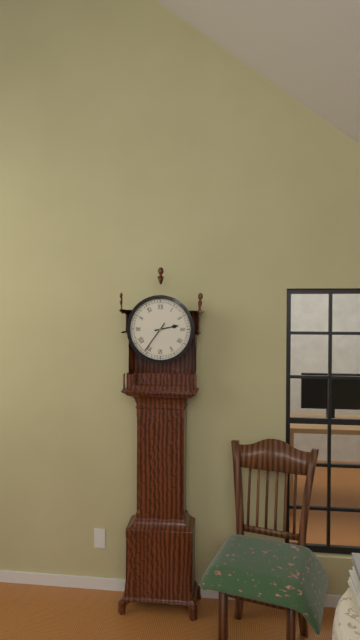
2:36
